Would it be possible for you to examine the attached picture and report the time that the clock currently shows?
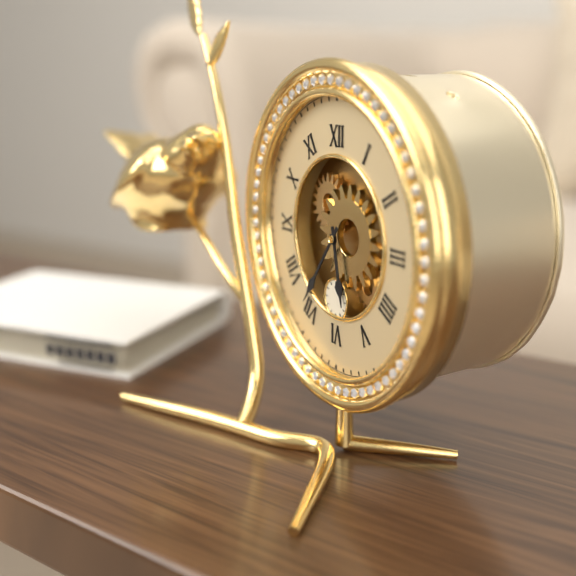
5:36
